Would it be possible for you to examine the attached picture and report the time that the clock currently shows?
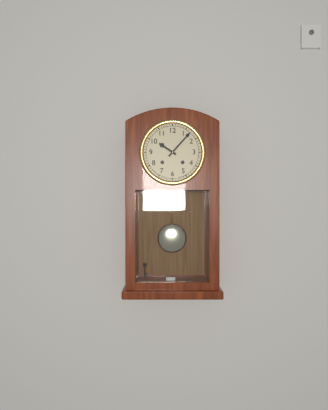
10:07
